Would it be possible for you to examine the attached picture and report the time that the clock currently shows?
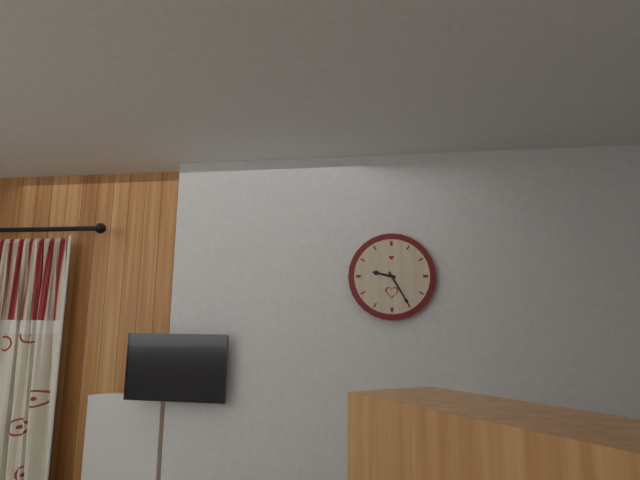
9:25
